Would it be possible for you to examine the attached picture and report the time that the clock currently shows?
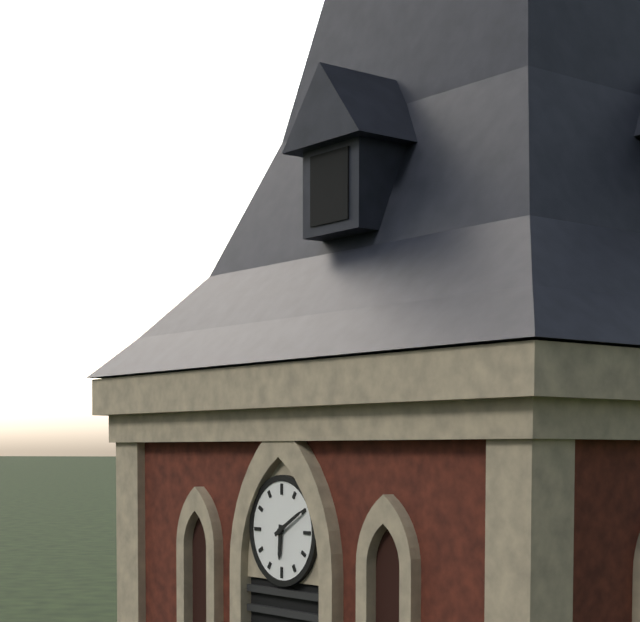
6:10
